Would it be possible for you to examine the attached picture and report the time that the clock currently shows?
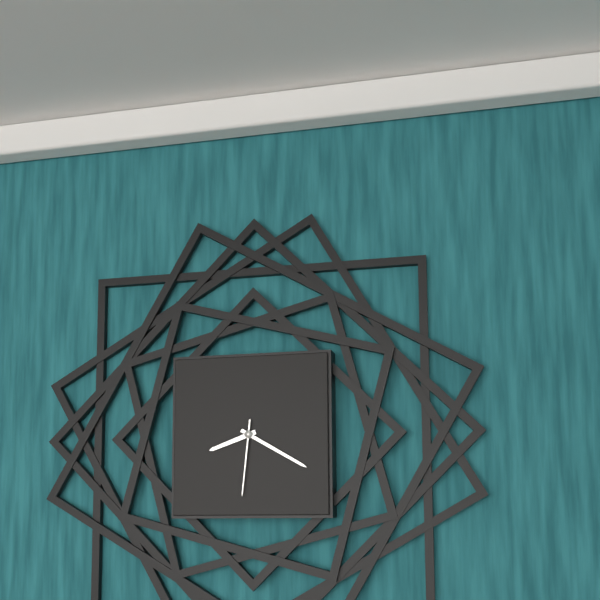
8:20:31
